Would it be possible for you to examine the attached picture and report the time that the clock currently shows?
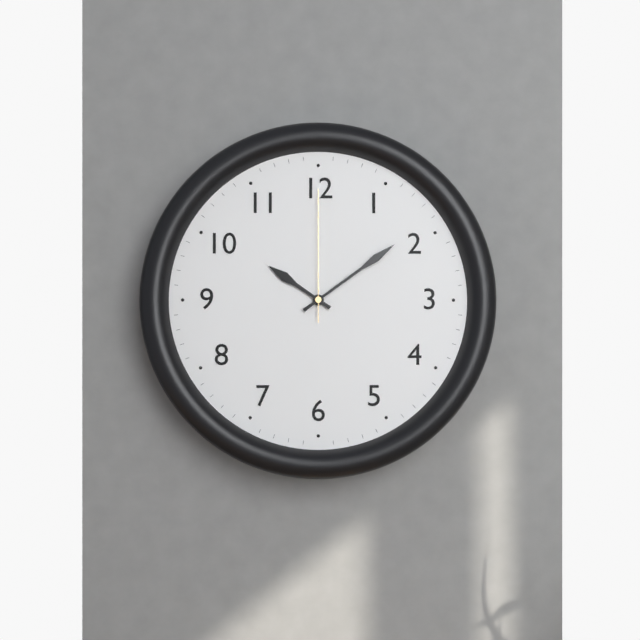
10:09:00
